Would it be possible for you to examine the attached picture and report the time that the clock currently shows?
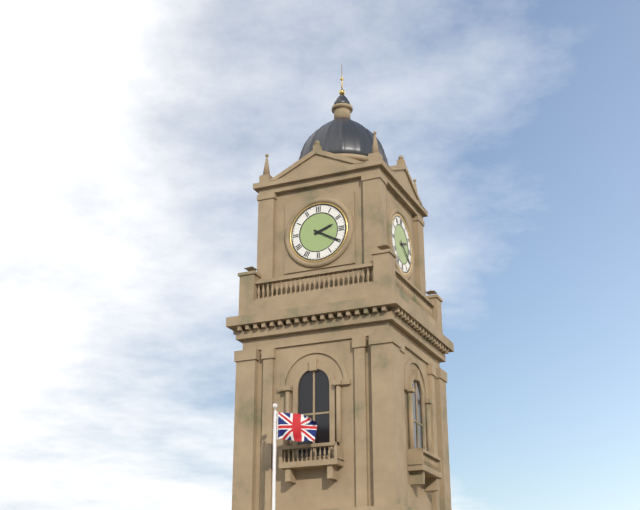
2:20
